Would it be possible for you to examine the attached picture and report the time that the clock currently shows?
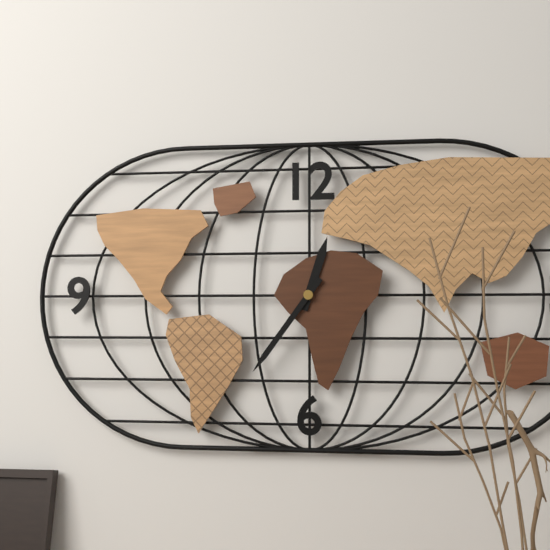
12:36
